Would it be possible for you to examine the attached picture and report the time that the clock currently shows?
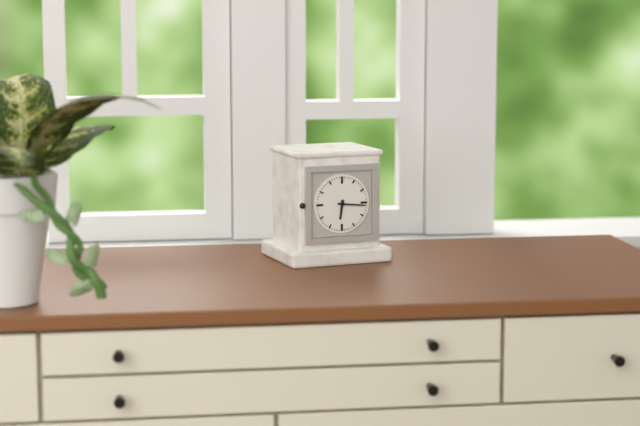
6:16
